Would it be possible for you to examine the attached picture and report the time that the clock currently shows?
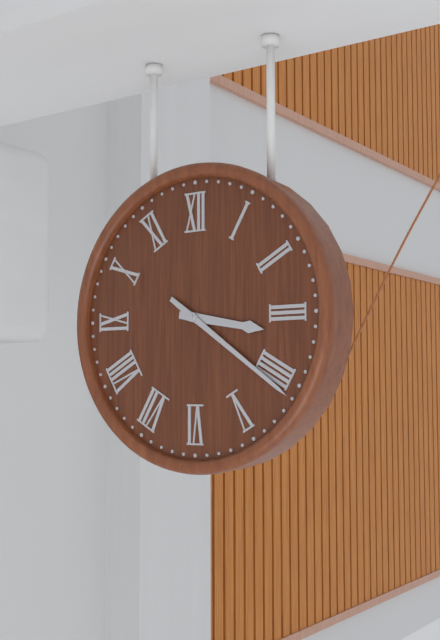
3:21
